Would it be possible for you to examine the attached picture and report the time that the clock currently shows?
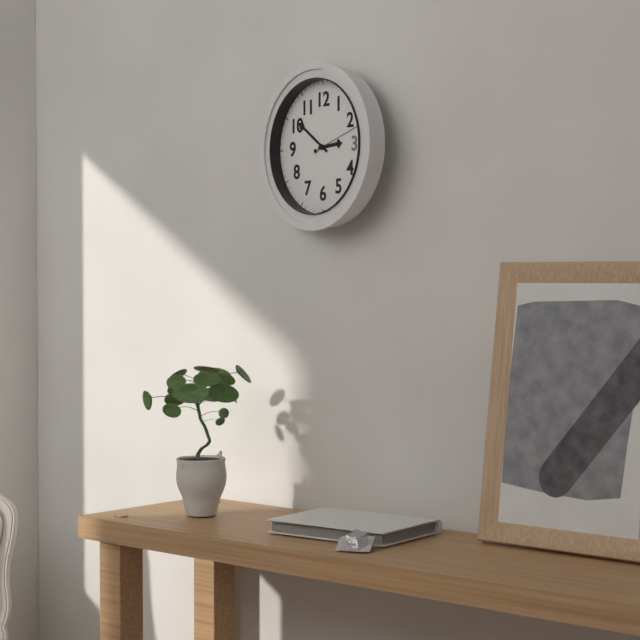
2:51:12
